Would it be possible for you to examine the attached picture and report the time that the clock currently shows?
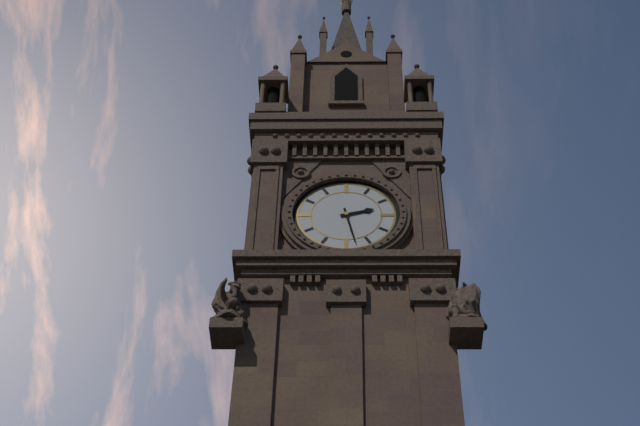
2:28
